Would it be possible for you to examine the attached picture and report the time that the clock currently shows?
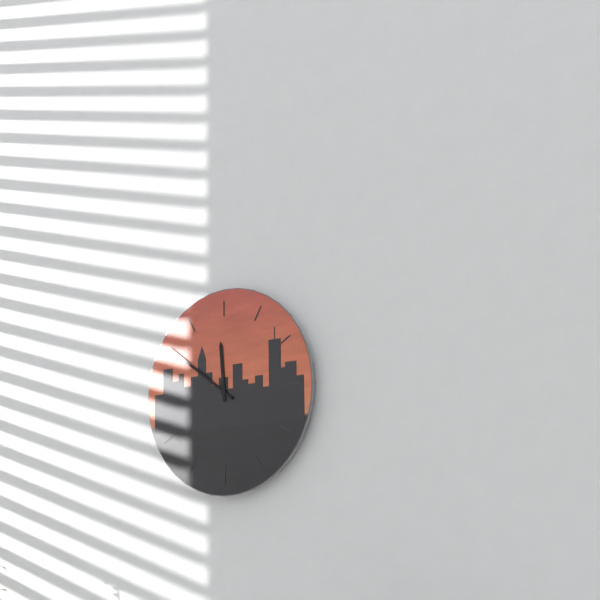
11:51
